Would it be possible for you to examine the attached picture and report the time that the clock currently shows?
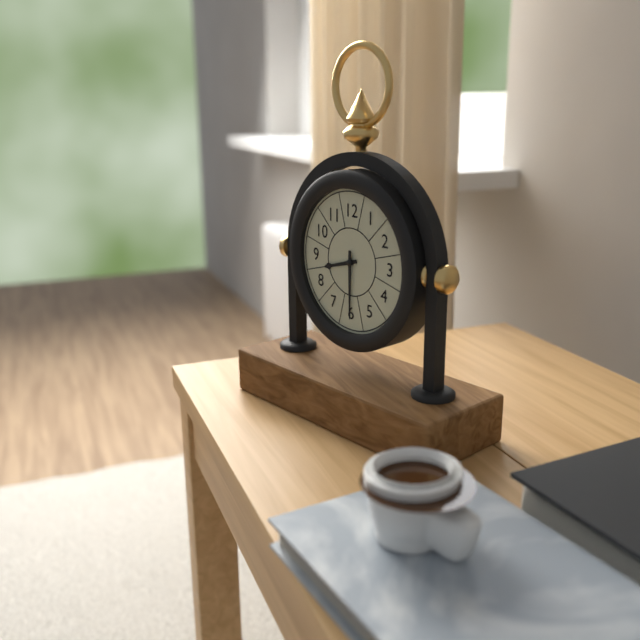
8:30
